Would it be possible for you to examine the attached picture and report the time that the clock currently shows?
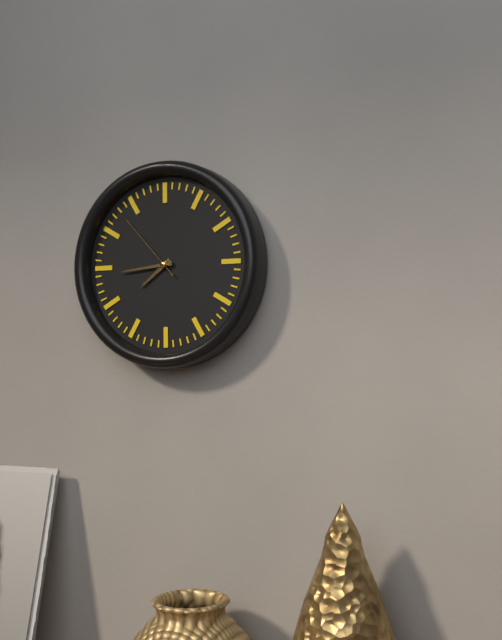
7:44:53
